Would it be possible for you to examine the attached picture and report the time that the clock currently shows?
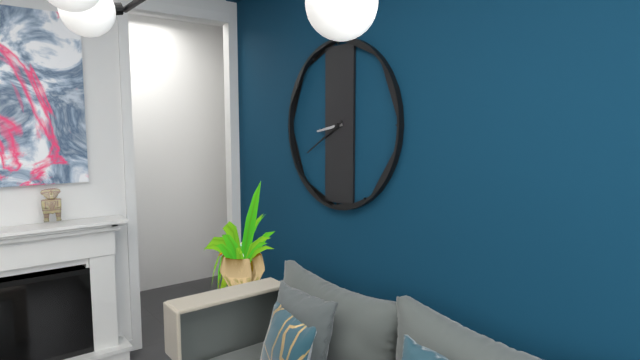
8:40
